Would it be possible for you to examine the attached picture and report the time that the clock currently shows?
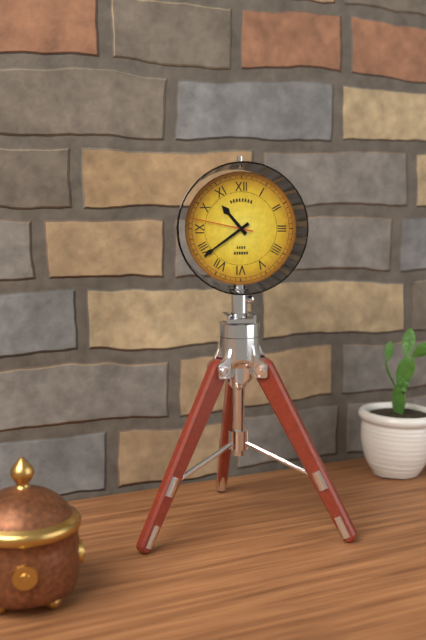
10:39:47
